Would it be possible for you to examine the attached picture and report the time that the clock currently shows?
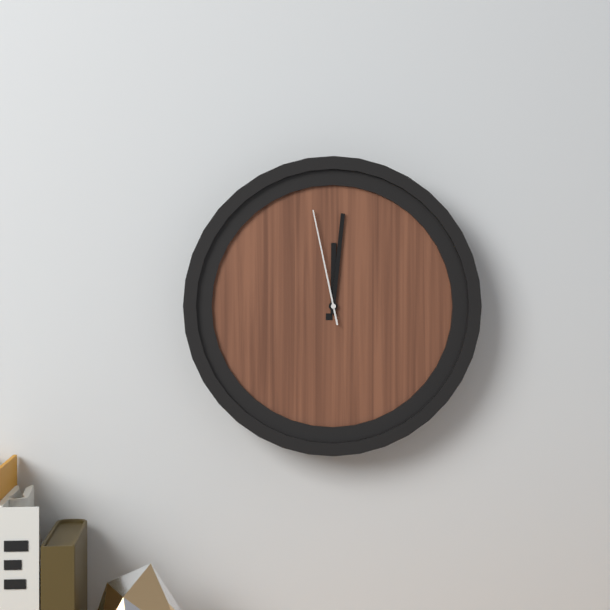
12:01:58
